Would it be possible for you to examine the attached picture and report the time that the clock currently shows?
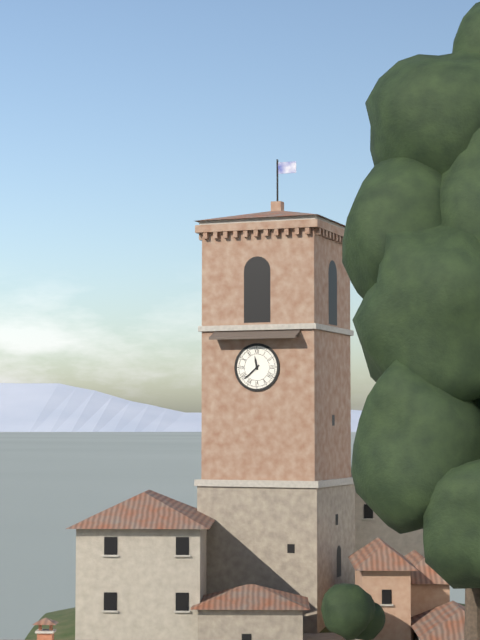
11:38
